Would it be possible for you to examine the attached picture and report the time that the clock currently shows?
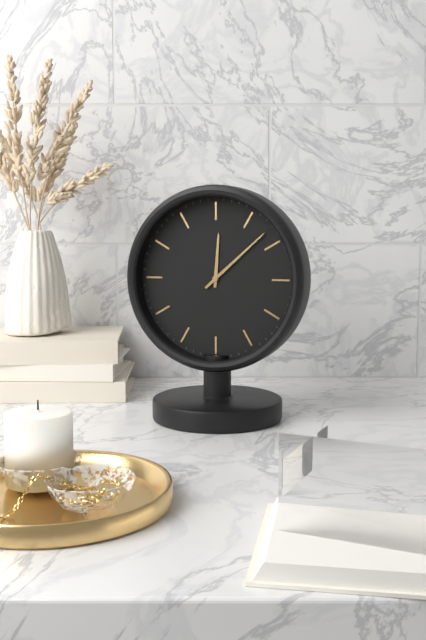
12:08
